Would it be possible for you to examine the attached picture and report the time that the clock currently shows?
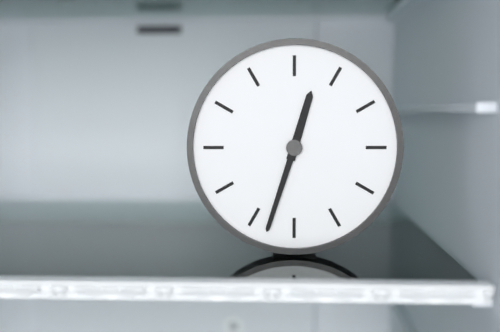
12:33
